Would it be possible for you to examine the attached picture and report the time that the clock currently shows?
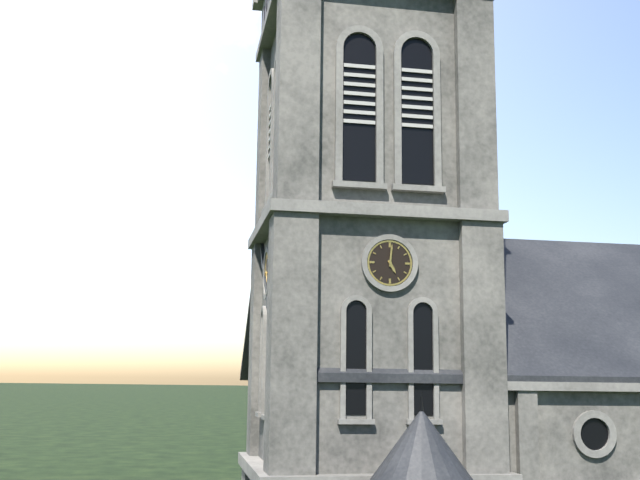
5:01
